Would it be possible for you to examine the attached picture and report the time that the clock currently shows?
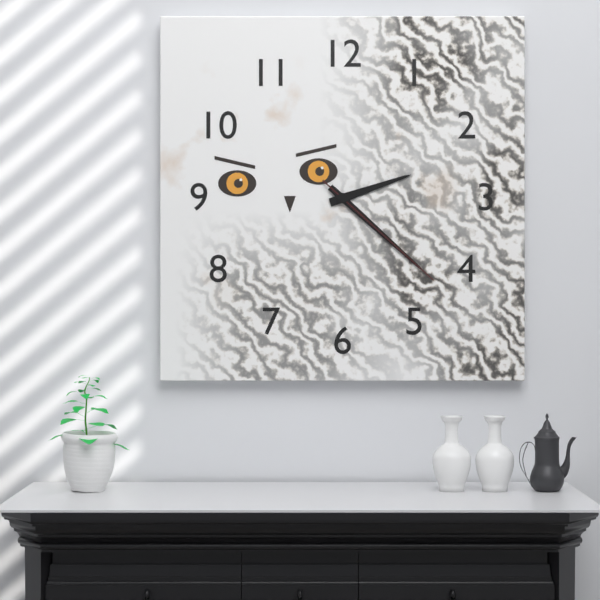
2:22:22
